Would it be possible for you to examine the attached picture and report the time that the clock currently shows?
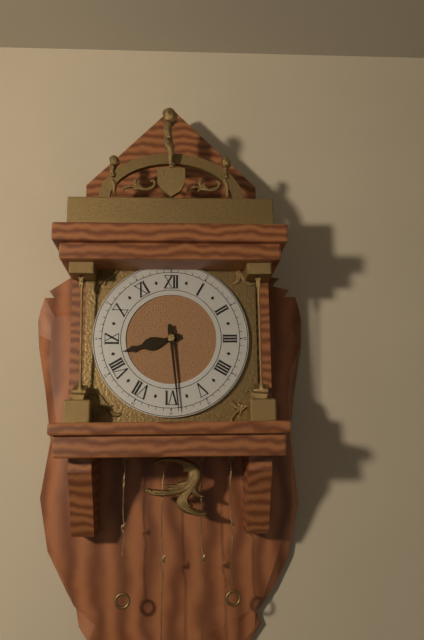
8:29
